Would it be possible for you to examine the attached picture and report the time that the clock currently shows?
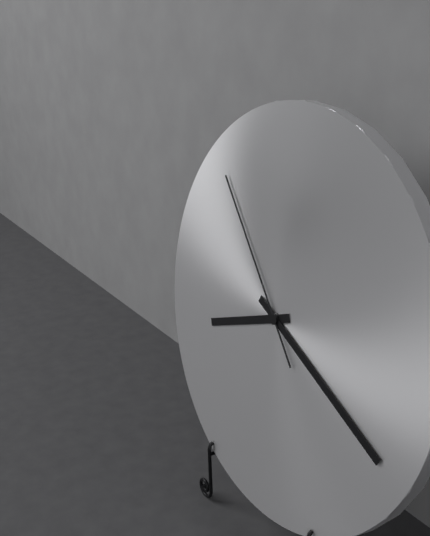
8:19:53
